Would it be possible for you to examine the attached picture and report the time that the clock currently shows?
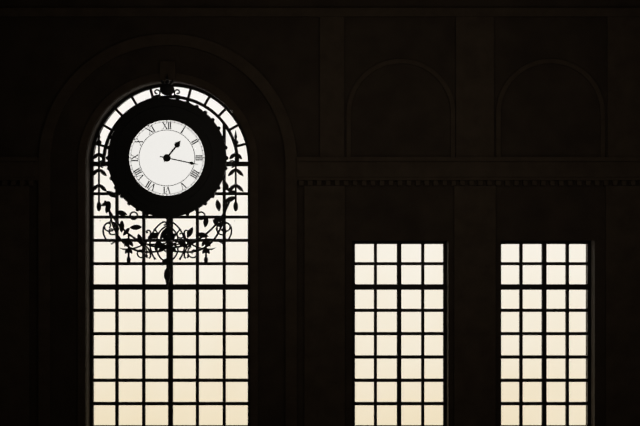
1:17
